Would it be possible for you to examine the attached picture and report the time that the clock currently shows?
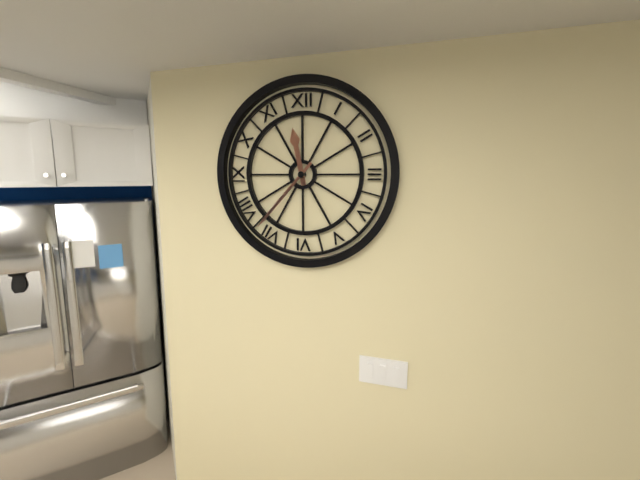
11:37
